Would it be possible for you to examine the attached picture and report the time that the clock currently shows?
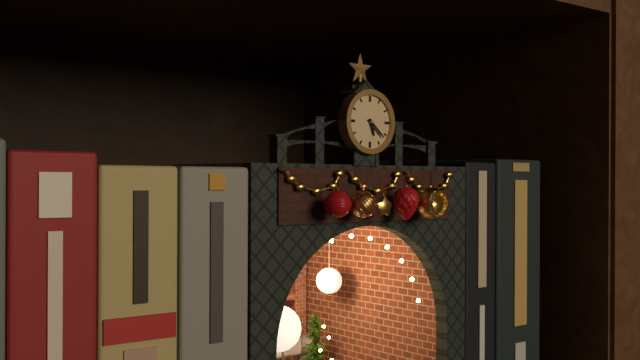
5:22
